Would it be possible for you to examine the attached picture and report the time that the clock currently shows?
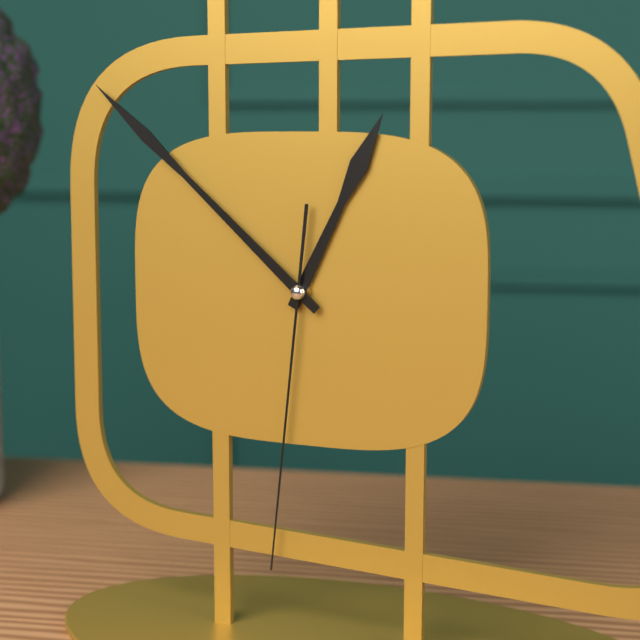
12:52:31
